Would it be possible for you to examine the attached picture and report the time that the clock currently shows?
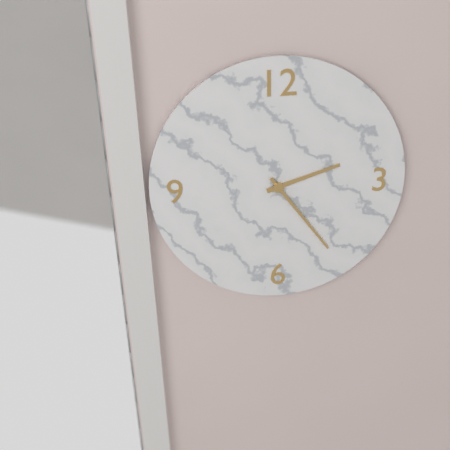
2:24
